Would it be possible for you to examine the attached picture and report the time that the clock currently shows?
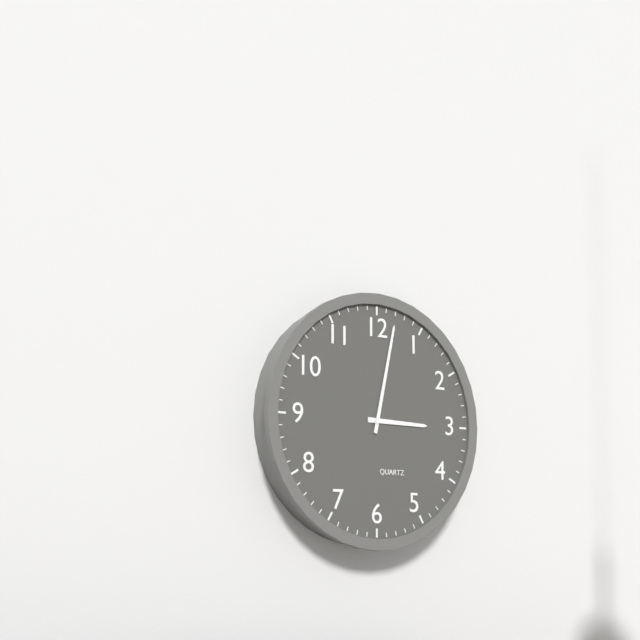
3:02
